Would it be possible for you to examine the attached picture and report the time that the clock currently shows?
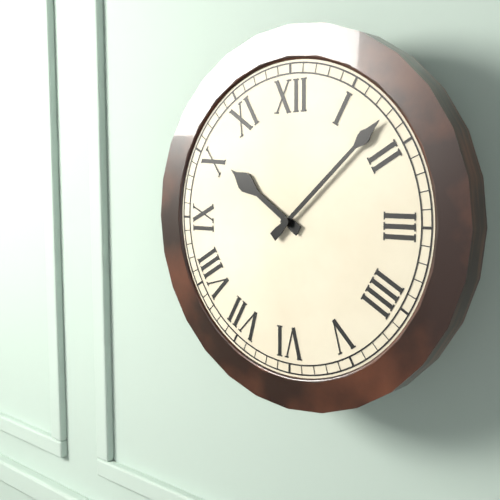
10:08
